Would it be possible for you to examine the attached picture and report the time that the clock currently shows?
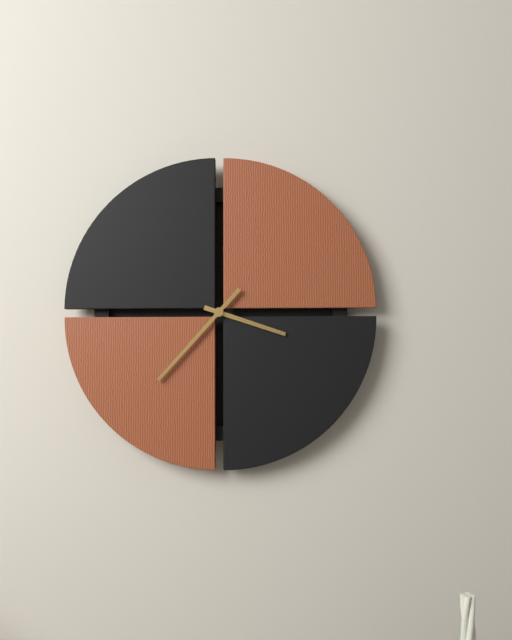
3:37
